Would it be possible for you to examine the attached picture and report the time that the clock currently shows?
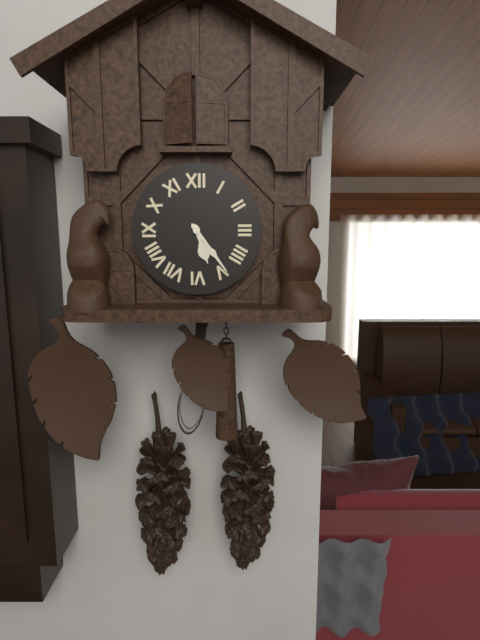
5:24
